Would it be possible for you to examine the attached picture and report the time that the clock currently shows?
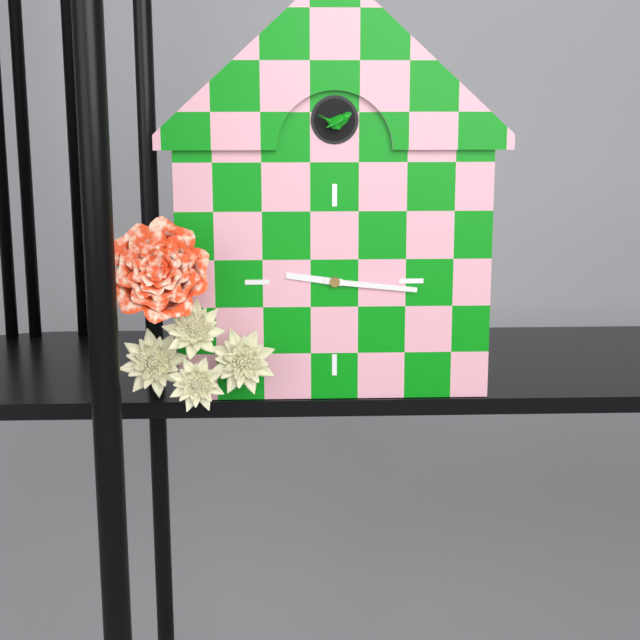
9:16
